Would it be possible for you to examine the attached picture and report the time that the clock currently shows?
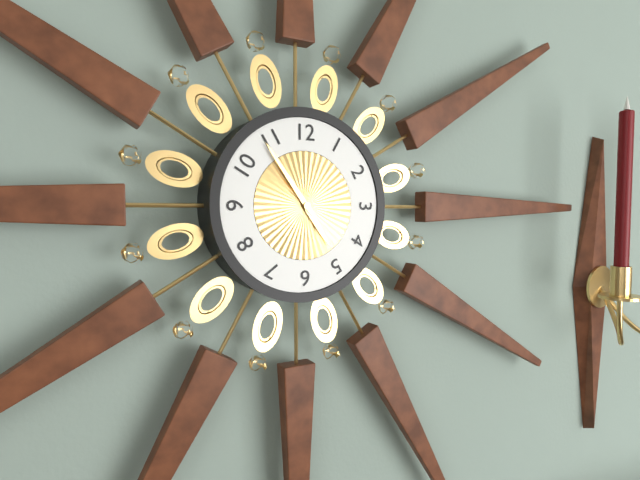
4:54
